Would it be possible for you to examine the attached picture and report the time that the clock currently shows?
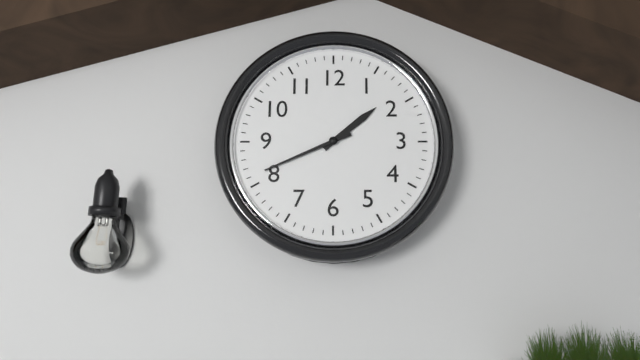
1:41
